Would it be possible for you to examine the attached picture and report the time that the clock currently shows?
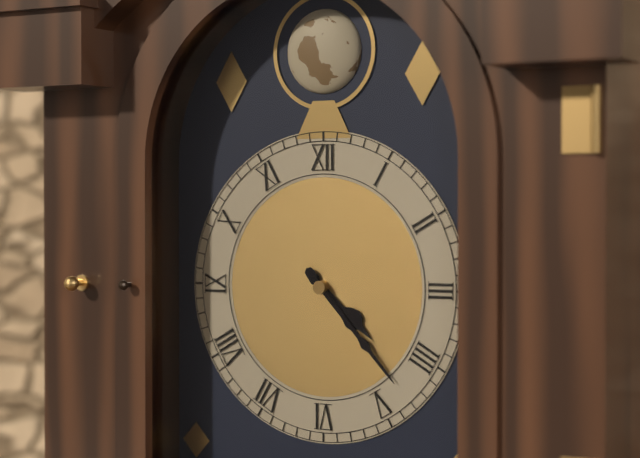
4:23
